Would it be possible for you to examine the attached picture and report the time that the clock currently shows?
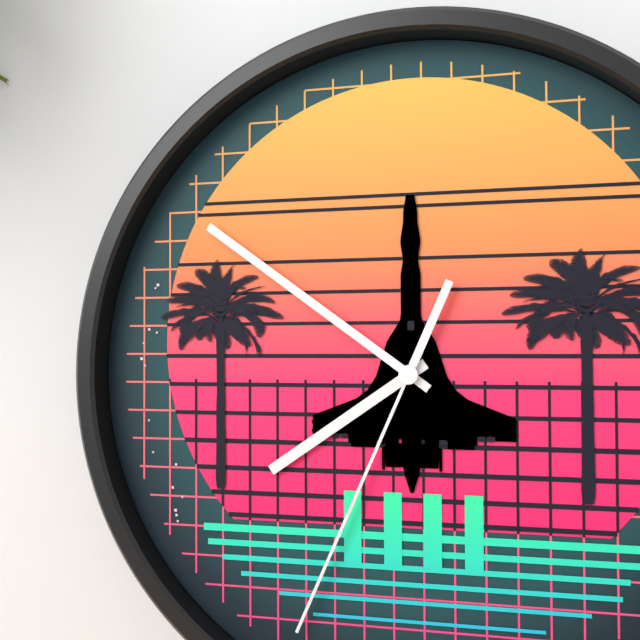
7:51:34
